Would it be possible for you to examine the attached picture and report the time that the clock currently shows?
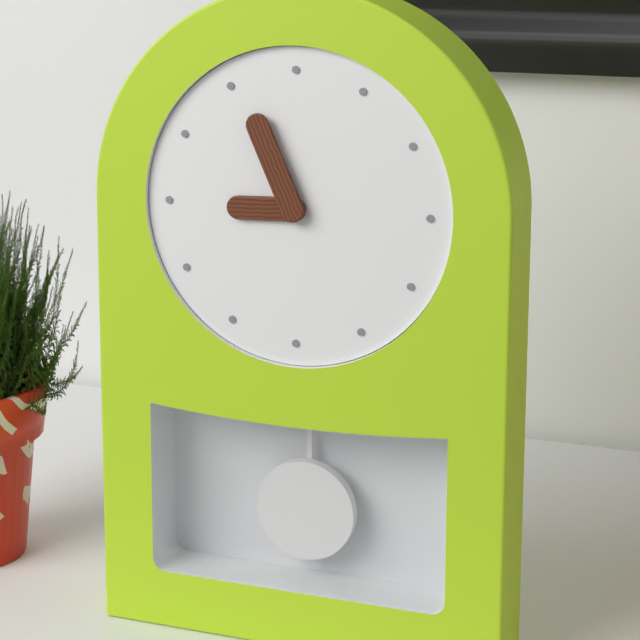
8:56
